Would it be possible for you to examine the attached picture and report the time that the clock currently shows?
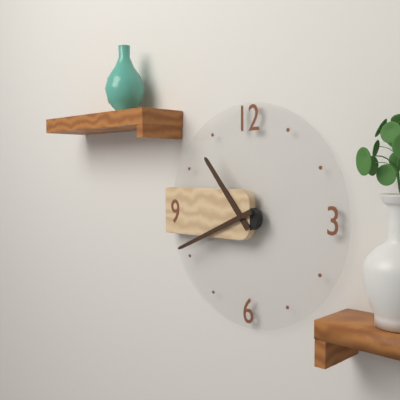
10:41
